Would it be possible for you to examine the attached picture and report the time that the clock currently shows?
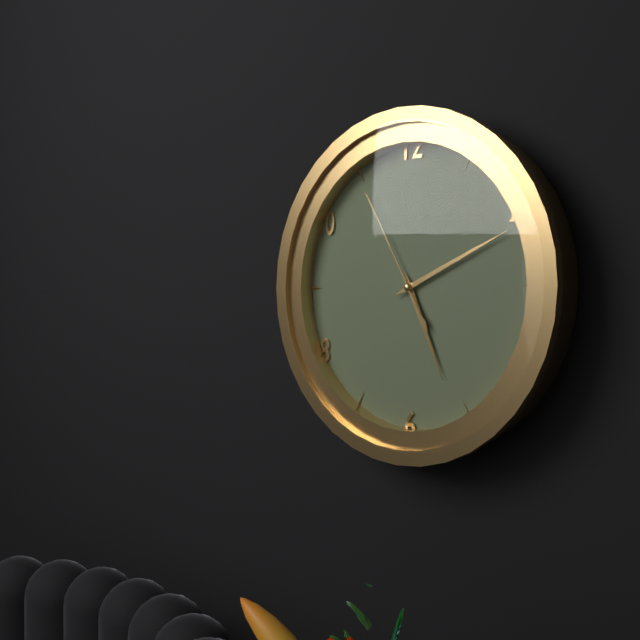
5:11:55
